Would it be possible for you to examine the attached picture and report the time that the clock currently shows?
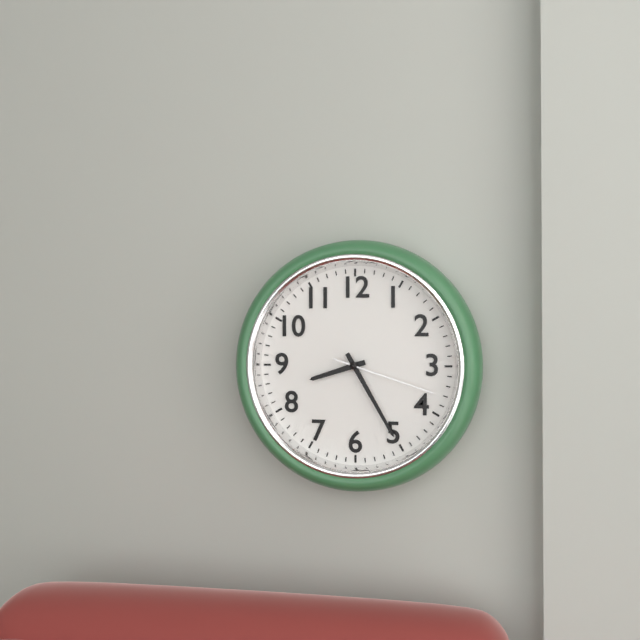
8:25:18
